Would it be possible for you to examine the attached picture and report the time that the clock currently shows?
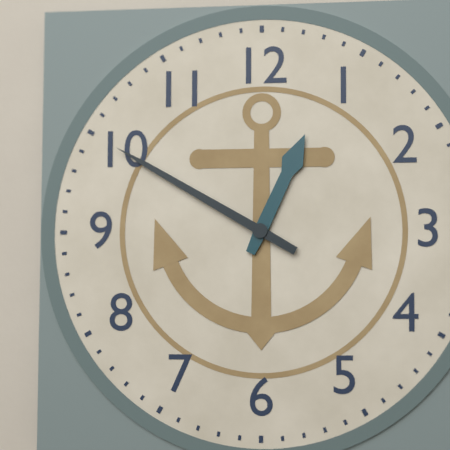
12:50
